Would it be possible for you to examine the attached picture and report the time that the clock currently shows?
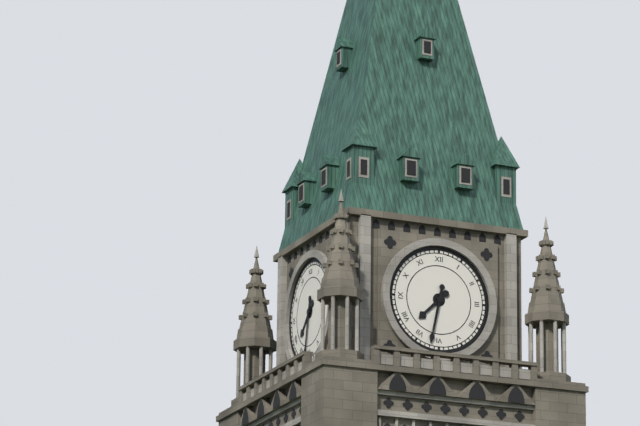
7:32
